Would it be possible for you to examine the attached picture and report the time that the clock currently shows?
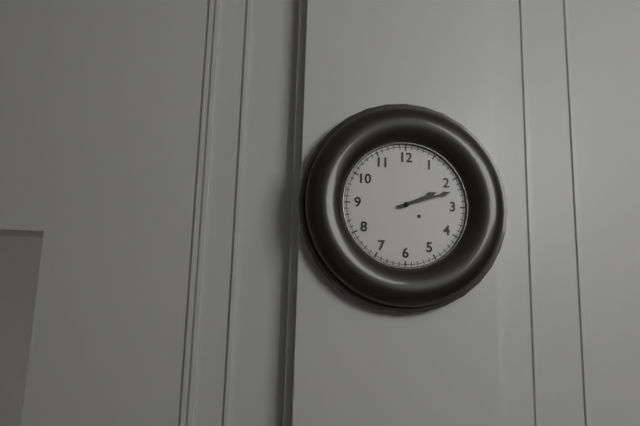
2:12
